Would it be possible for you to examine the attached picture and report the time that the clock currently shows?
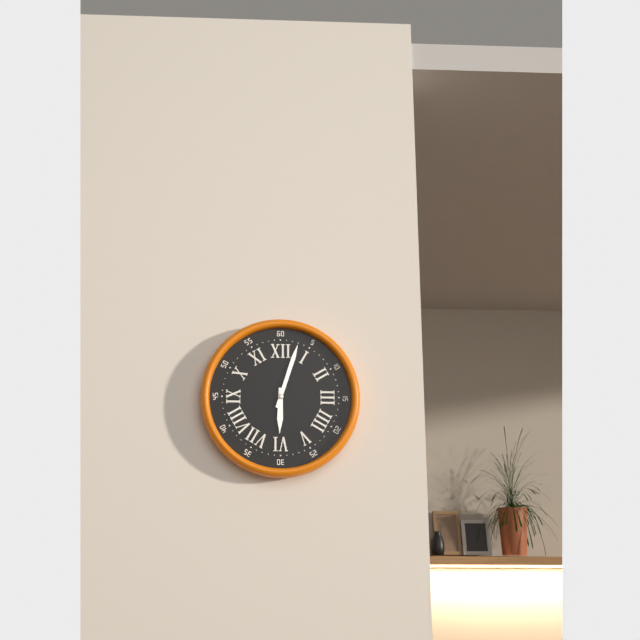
6:03
